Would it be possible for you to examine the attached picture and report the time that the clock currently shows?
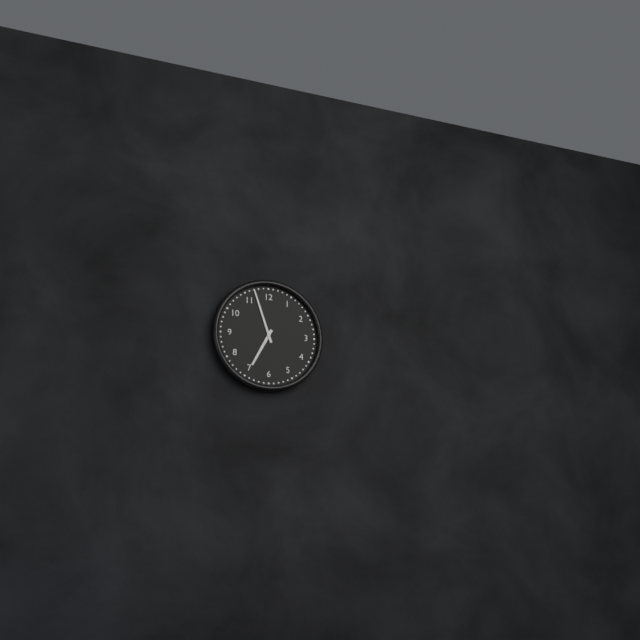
6:57
